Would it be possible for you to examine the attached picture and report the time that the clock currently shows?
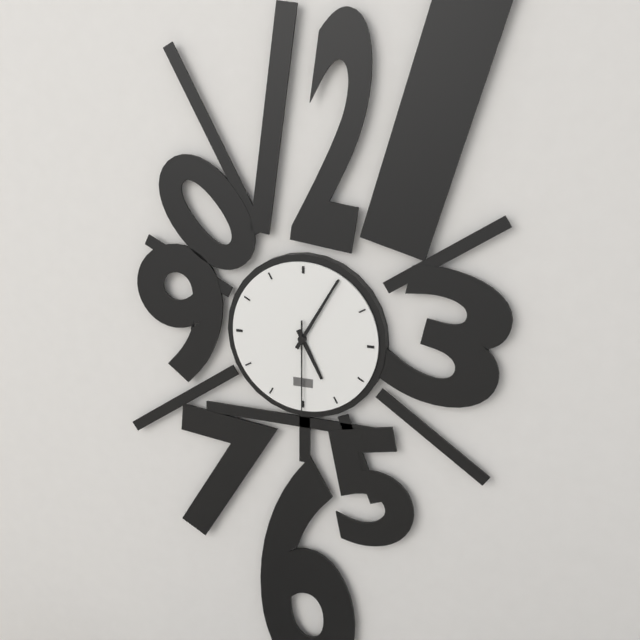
5:05:30
